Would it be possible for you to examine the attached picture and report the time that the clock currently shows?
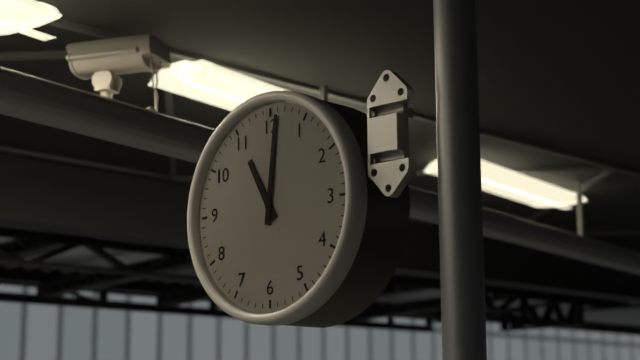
11:01
